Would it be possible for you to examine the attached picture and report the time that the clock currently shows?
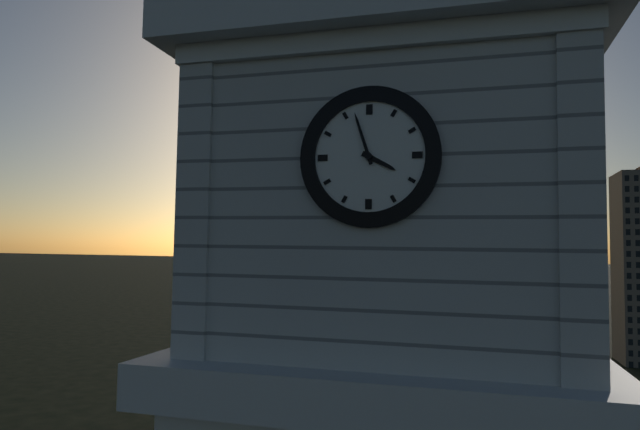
3:57
